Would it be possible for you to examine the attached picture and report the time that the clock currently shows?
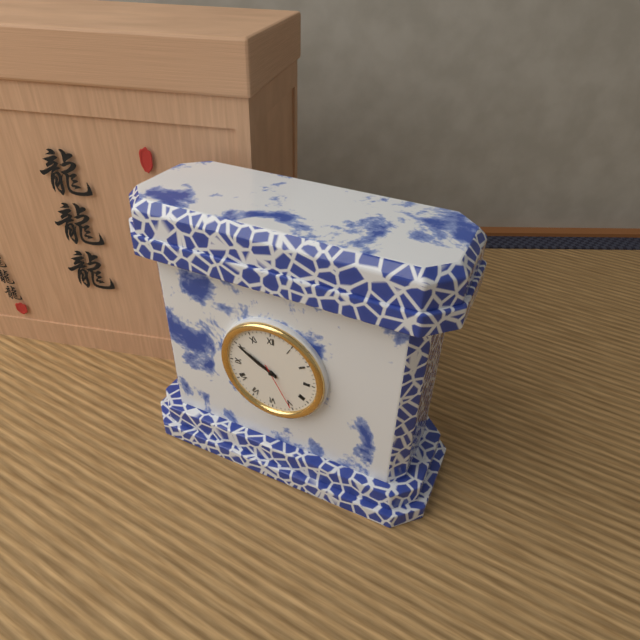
9:50:25
